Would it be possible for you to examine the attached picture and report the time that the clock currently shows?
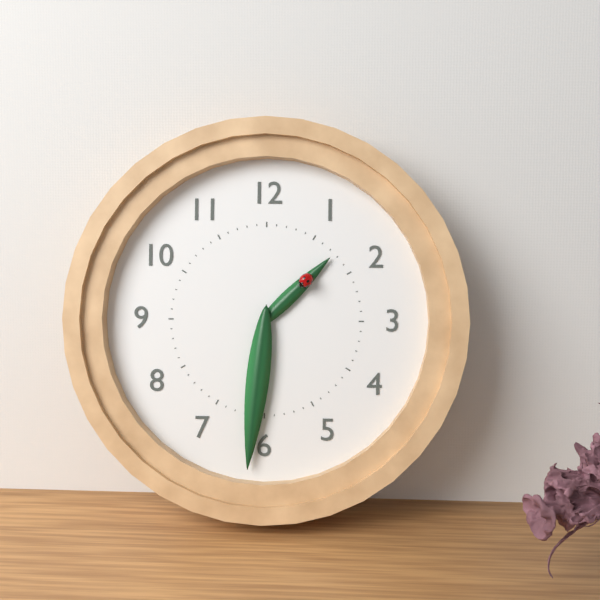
1:31
